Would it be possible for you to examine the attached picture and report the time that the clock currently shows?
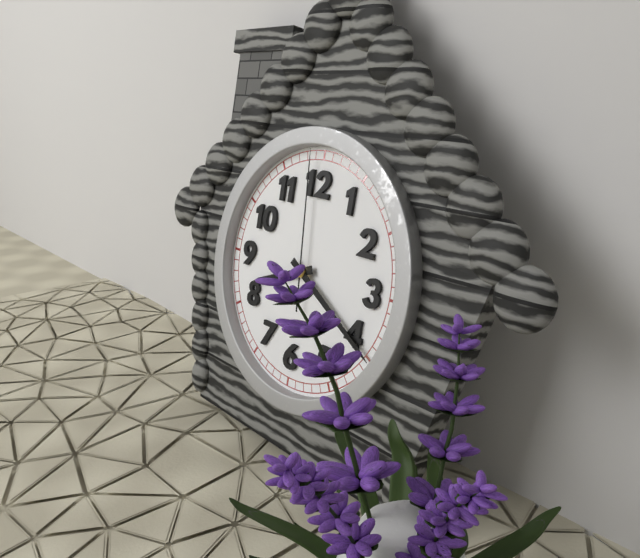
8:20:59
